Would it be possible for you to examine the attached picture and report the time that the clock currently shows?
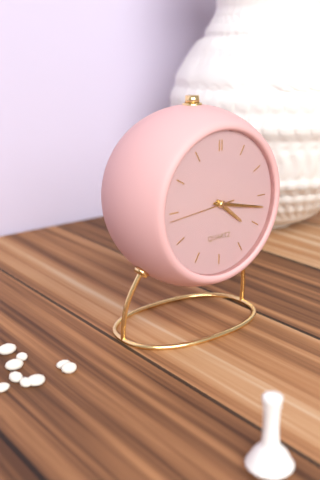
4:17
